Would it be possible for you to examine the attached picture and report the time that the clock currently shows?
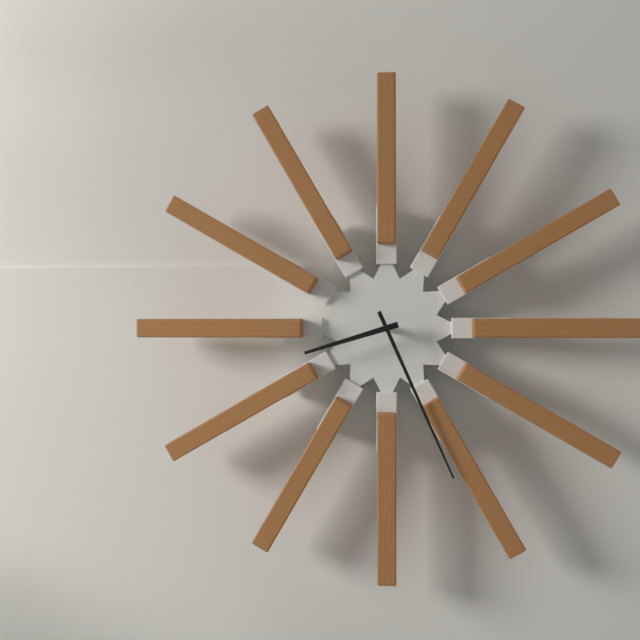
8:26
